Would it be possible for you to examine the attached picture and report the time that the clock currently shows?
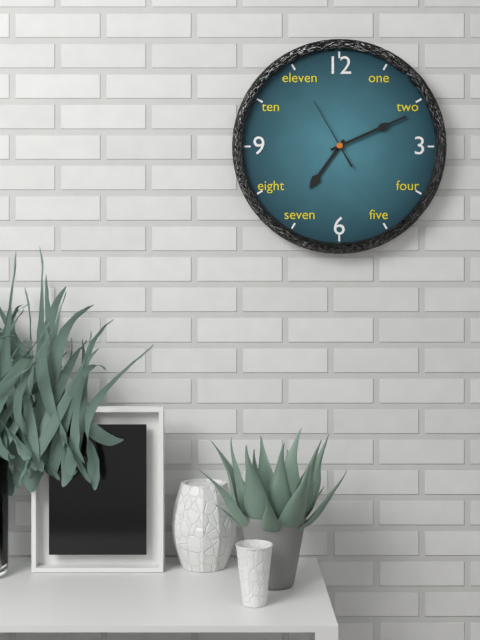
7:11:55
